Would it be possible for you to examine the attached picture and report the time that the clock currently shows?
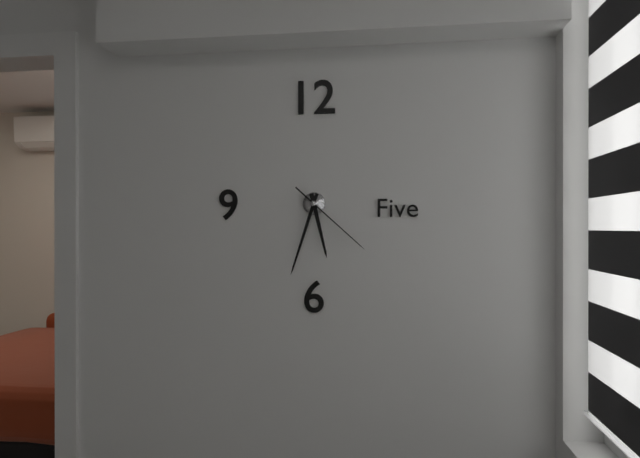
5:33:22
